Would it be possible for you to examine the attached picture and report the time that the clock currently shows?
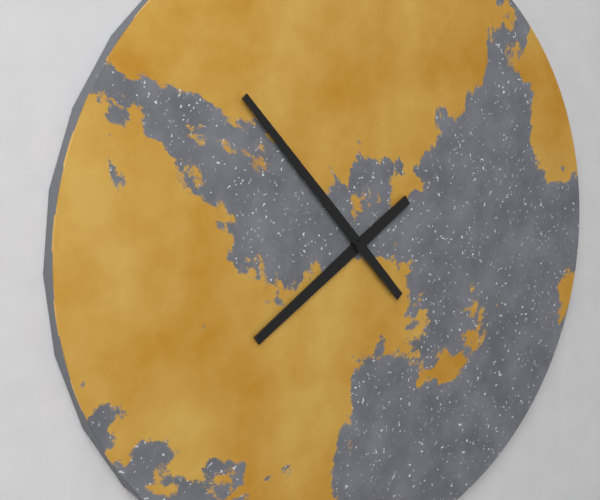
7:53
